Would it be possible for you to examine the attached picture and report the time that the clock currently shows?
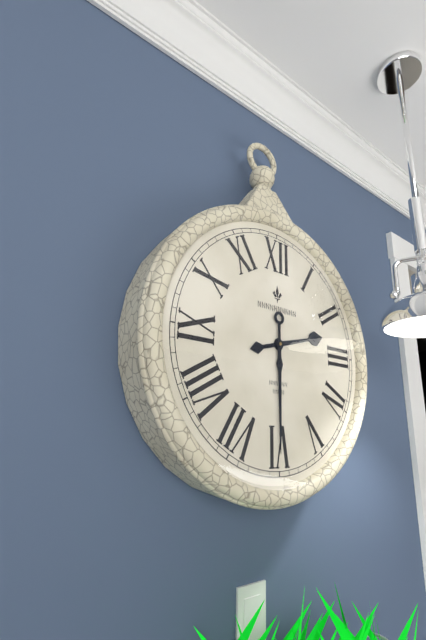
2:30
